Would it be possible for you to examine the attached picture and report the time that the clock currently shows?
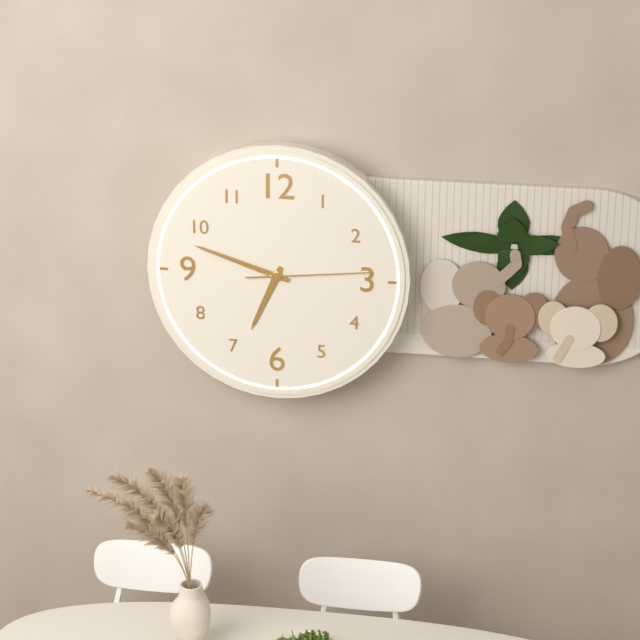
6:48:14
